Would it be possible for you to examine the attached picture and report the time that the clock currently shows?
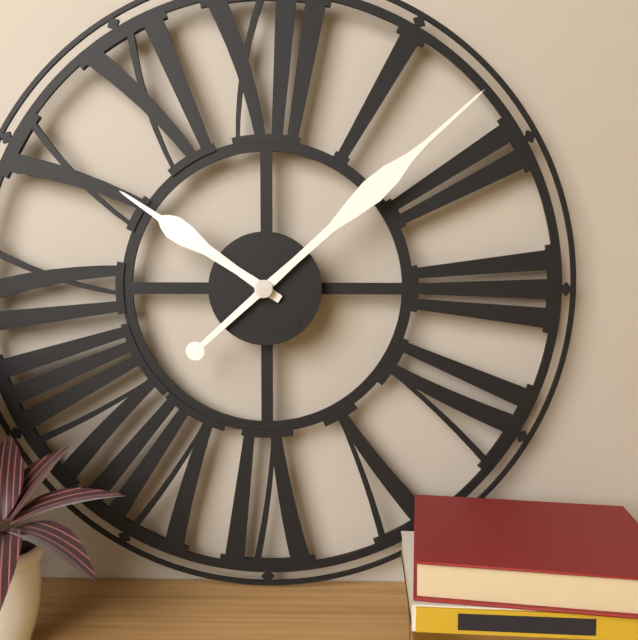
10:08
